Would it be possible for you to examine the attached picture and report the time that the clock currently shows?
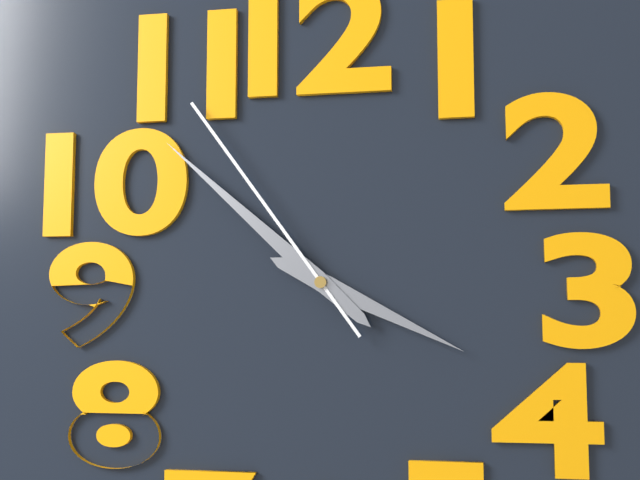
3:52:54
